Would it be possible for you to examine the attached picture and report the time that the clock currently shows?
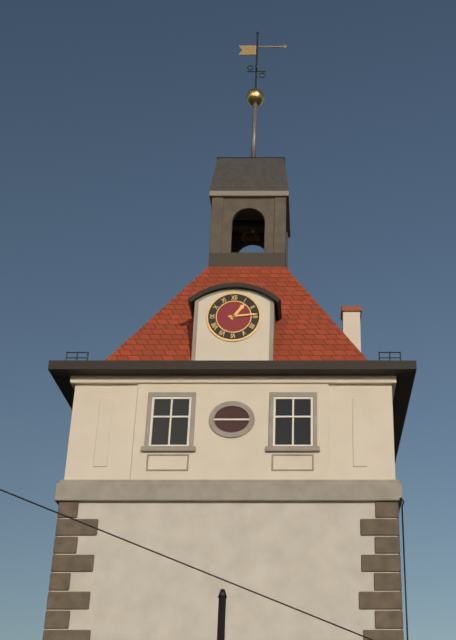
1:14
